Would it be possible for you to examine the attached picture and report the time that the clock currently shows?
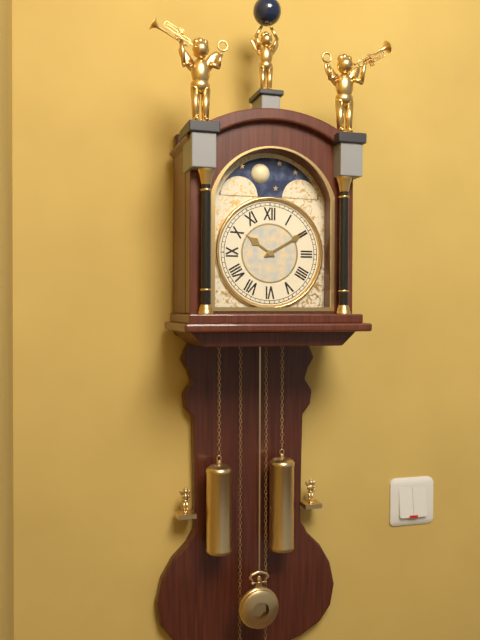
10:10
